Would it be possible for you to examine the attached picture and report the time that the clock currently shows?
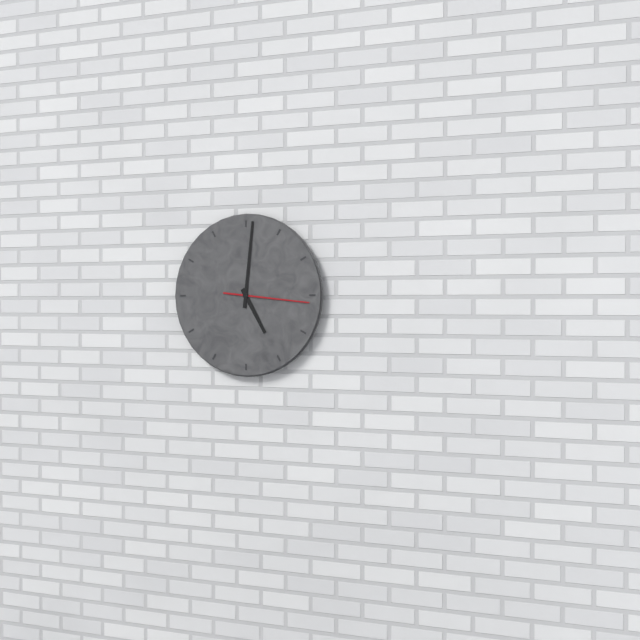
5:01:16
